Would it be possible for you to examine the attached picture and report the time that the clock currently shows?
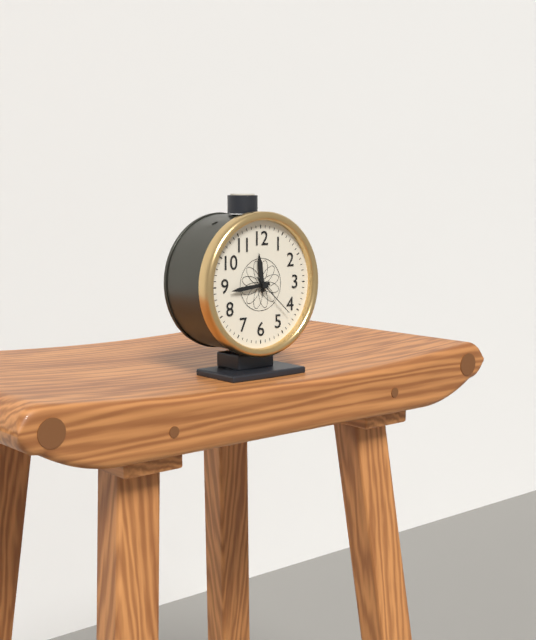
11:44
